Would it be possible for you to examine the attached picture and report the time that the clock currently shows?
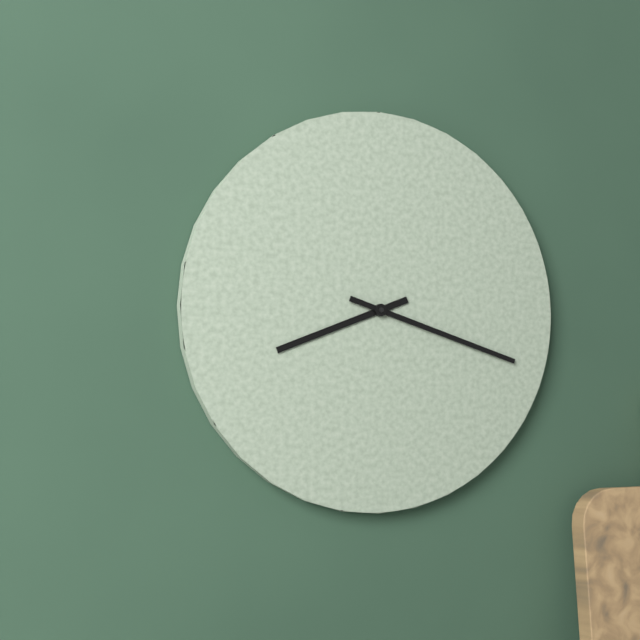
8:18
